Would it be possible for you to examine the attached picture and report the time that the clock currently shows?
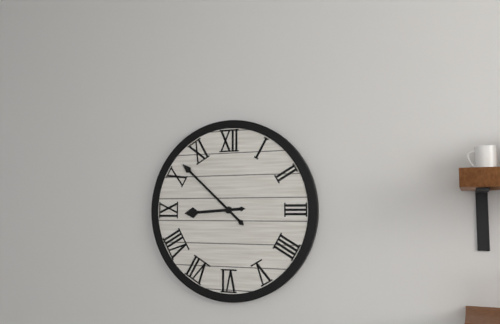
8:52
